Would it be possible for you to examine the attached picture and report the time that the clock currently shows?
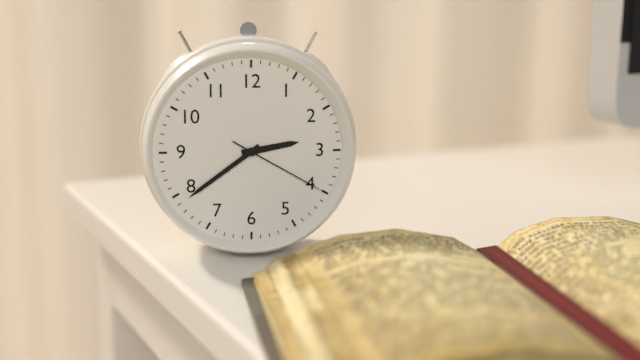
2:39:20
